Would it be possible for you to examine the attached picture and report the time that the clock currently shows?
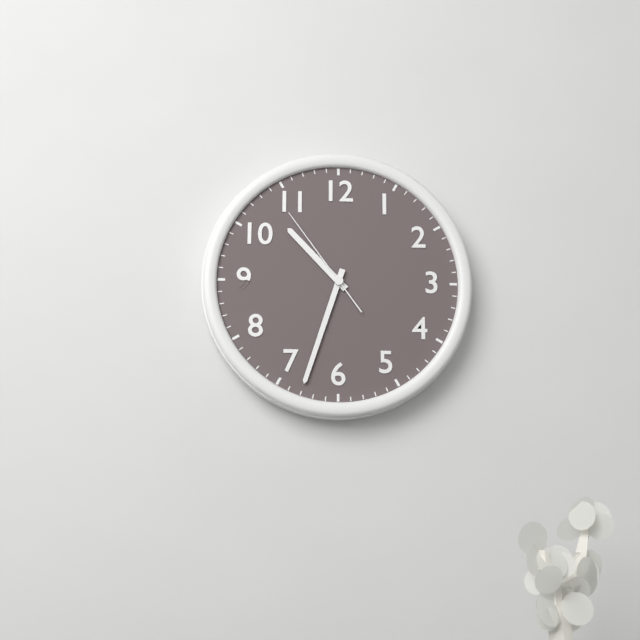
10:33:54
